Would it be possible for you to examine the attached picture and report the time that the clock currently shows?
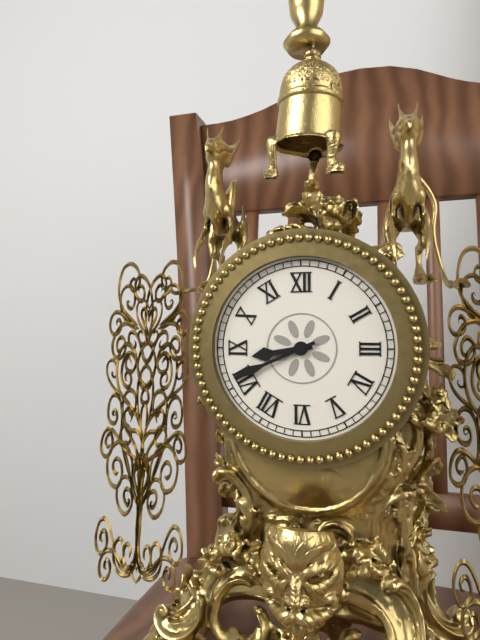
8:41
